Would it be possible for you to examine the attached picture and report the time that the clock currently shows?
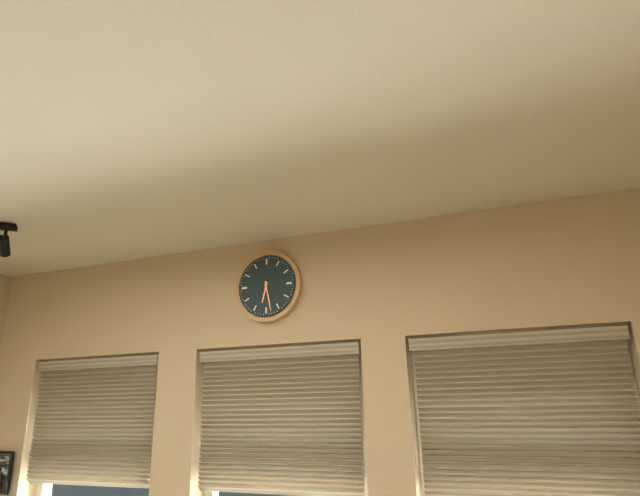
6:28
